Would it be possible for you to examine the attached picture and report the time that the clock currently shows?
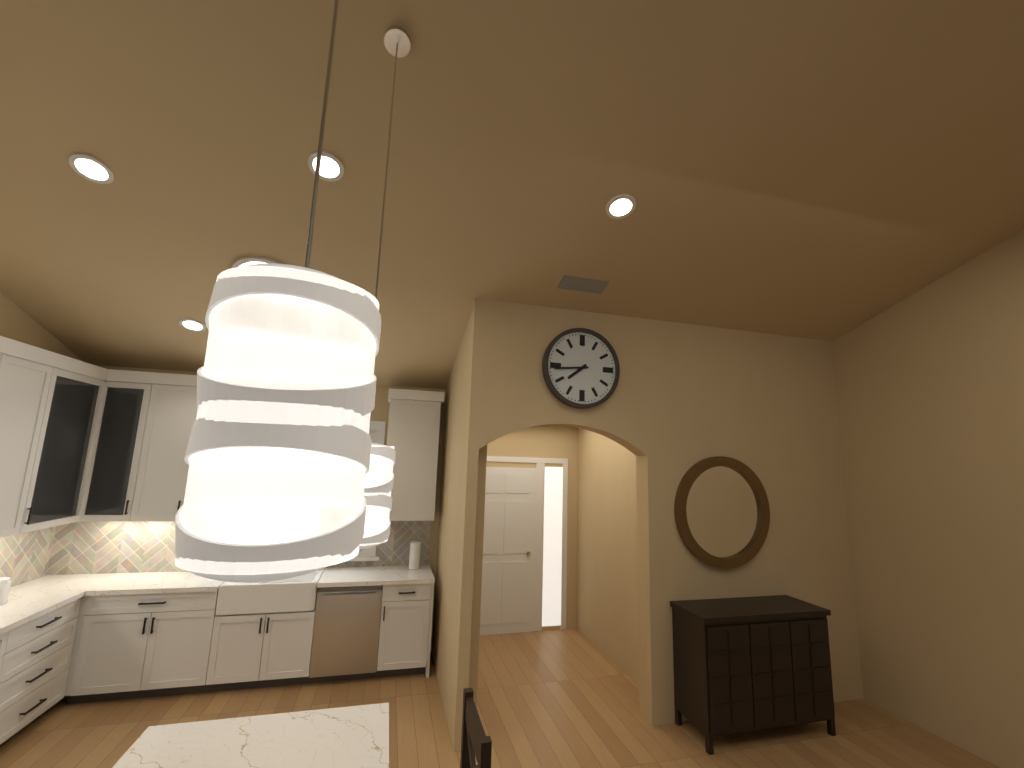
7:44
